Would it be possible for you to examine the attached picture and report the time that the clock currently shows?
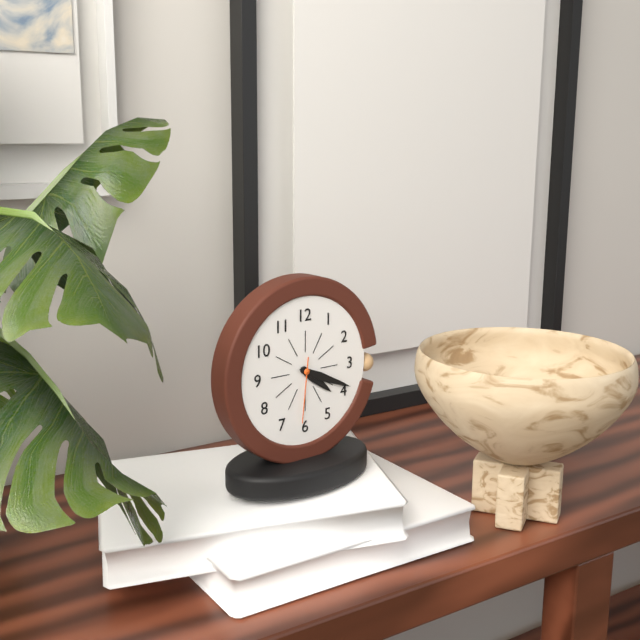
4:19:31
